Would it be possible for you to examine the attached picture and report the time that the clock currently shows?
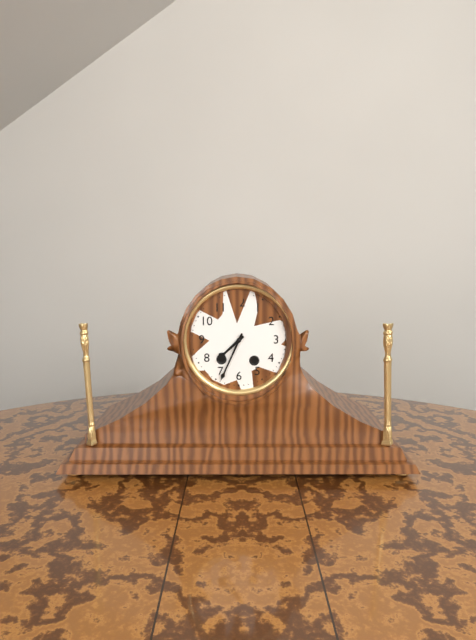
7:34
